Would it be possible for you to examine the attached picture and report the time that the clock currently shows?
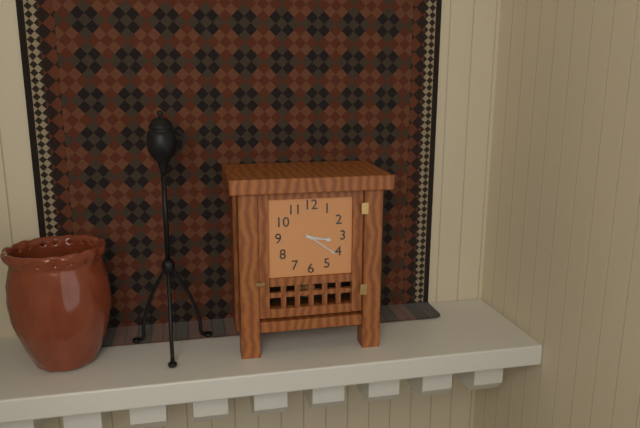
3:21
